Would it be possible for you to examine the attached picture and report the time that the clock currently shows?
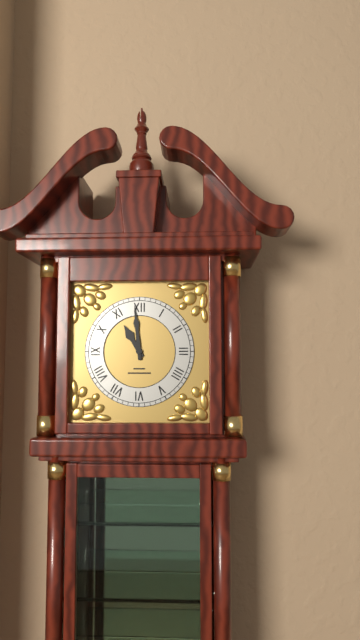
10:59
